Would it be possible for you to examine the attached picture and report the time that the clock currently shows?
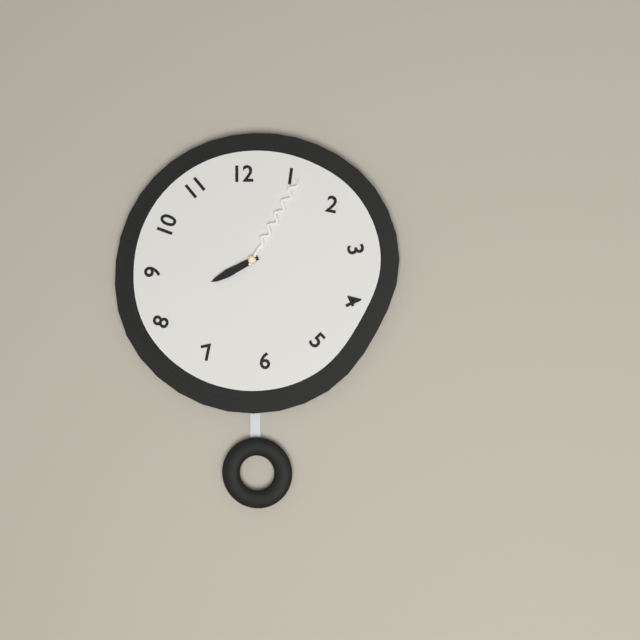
8:05
